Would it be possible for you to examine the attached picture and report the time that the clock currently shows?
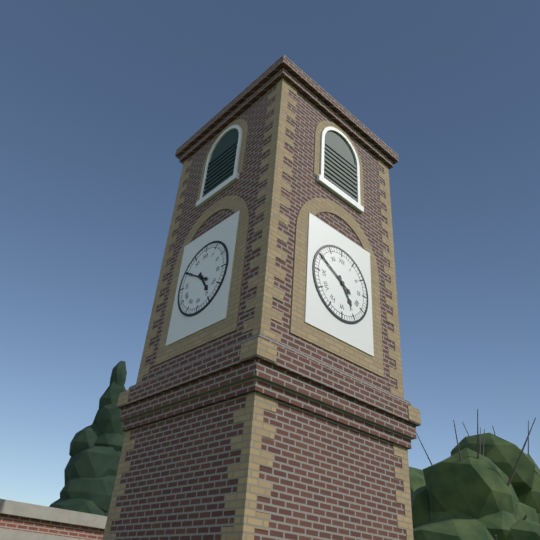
4:50
